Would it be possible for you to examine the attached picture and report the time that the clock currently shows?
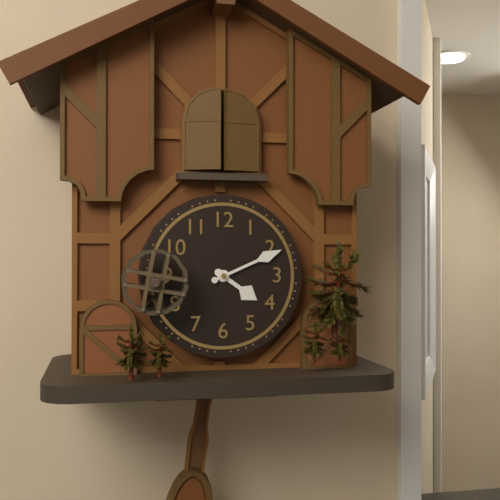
4:11
